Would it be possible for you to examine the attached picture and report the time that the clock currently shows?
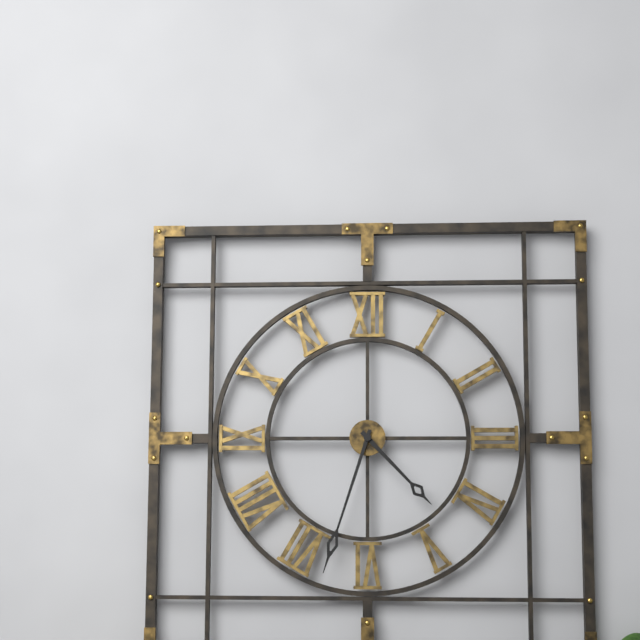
4:33
